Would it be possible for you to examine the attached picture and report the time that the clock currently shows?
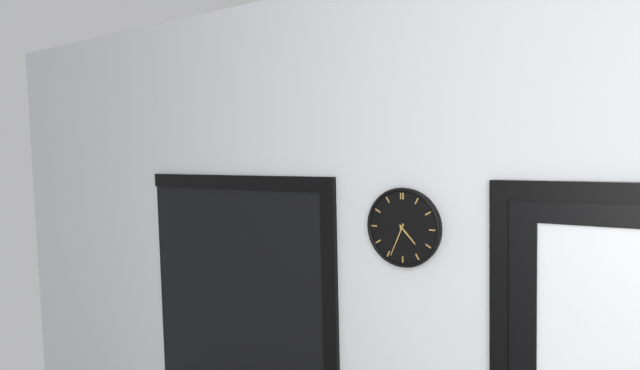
4:34
